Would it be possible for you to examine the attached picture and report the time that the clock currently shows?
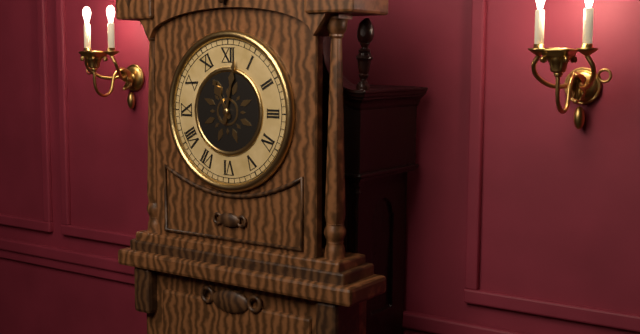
11:02
